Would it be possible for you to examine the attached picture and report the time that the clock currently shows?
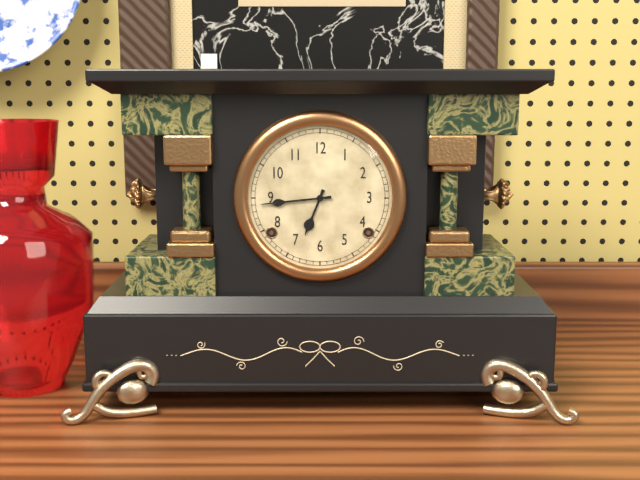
6:44
